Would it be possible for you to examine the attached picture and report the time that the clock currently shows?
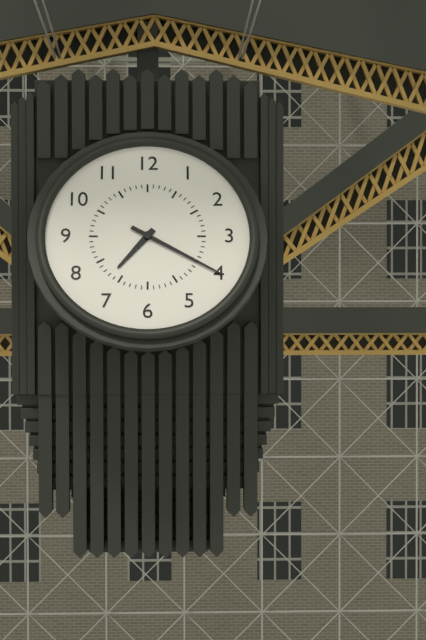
7:20
